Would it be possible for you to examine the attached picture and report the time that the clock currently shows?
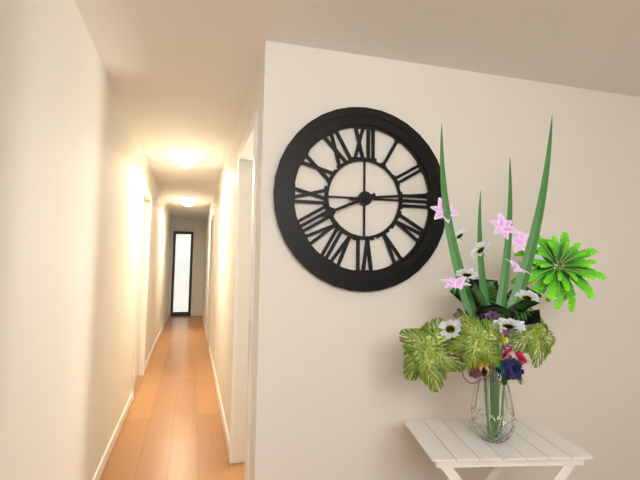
8:14
